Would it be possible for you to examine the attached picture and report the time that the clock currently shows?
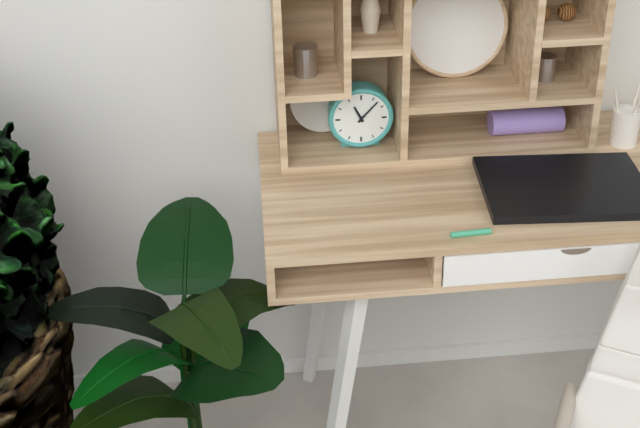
11:07
